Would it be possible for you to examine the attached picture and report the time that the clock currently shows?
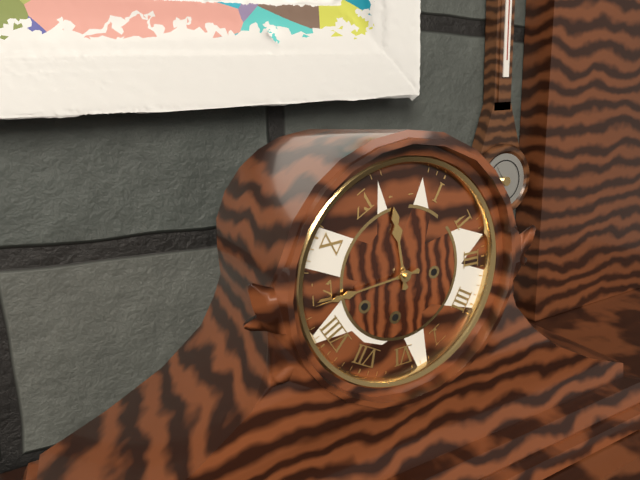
11:44
